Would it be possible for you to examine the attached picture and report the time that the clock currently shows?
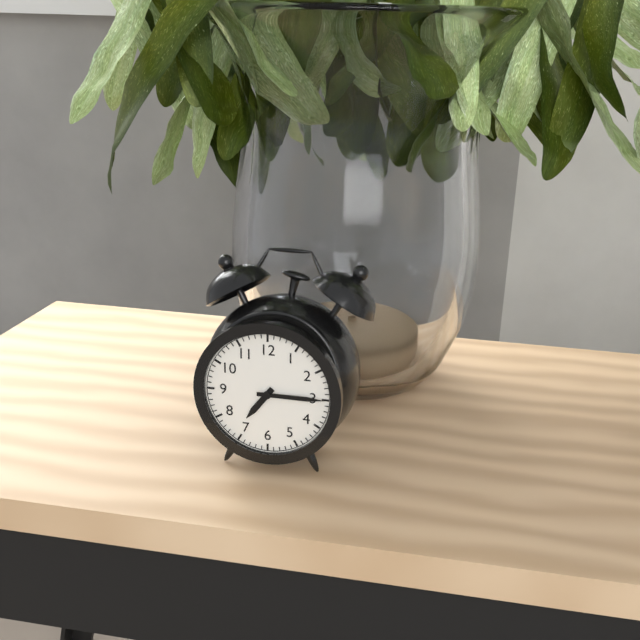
7:15
